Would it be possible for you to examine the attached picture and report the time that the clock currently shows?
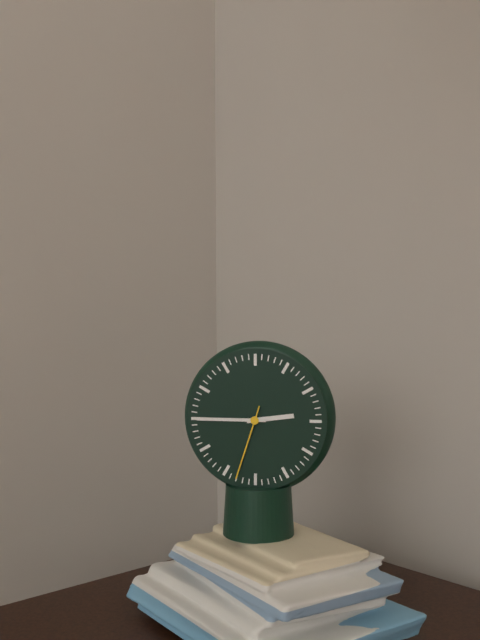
2:45:33
